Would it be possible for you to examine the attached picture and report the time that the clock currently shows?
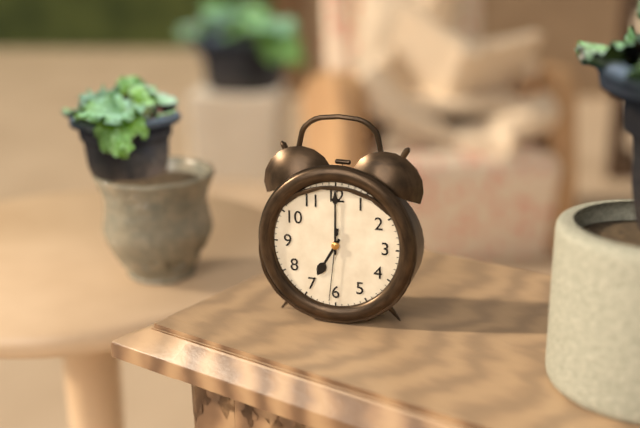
7:00:31
